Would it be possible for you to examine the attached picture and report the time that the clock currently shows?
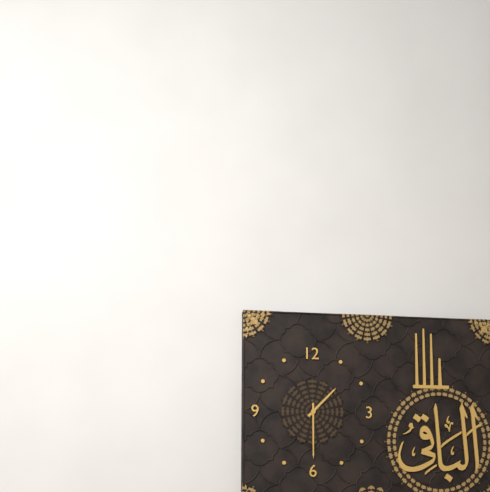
1:30
